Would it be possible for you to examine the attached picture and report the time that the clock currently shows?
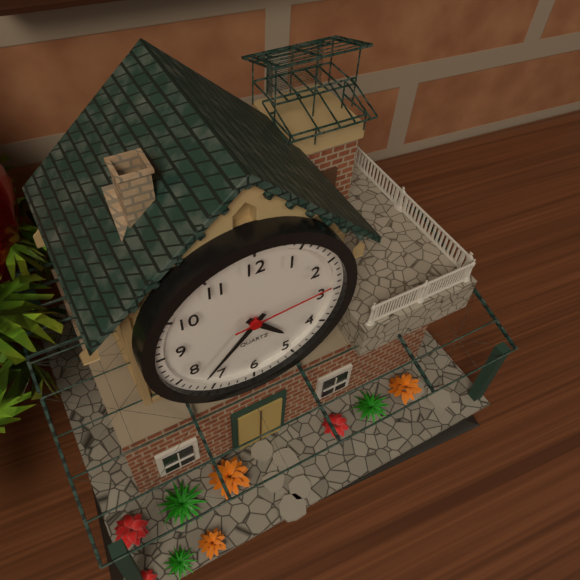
4:37:14
